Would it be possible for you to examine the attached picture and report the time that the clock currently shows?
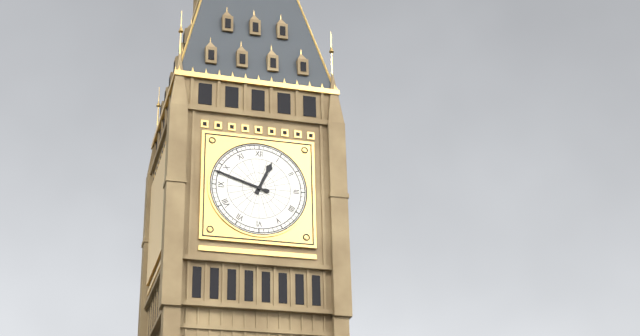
12:48
